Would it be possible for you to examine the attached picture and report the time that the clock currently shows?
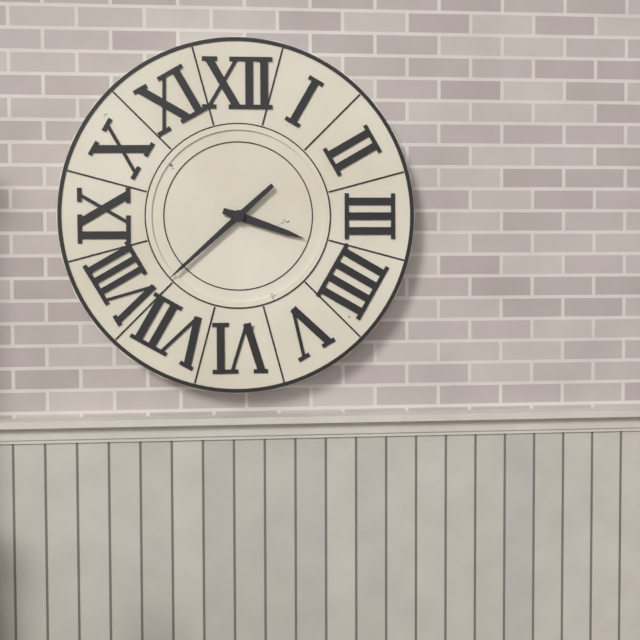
3:38
